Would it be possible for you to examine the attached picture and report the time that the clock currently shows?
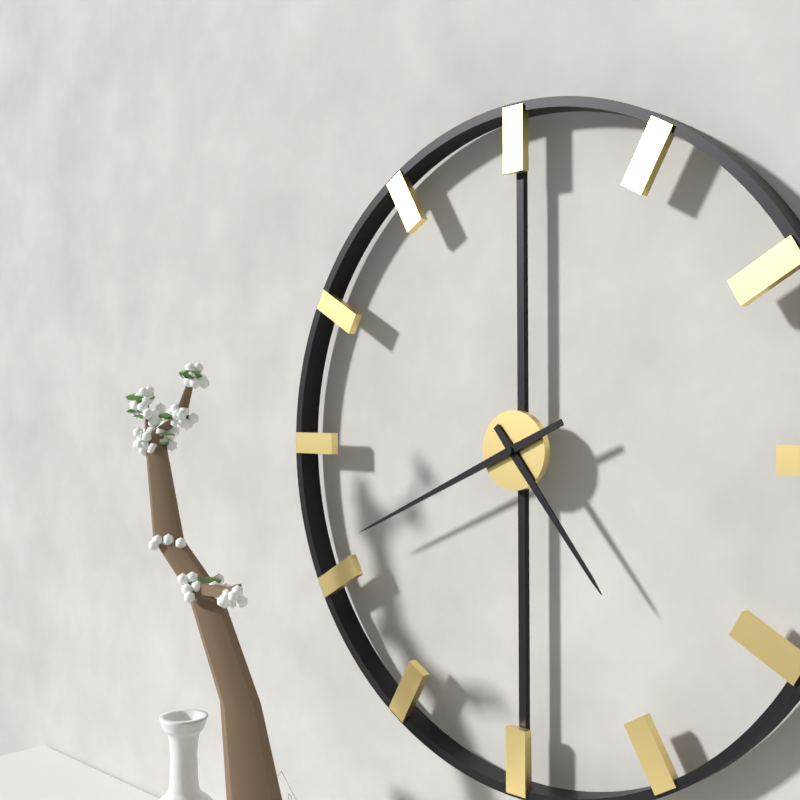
4:41
